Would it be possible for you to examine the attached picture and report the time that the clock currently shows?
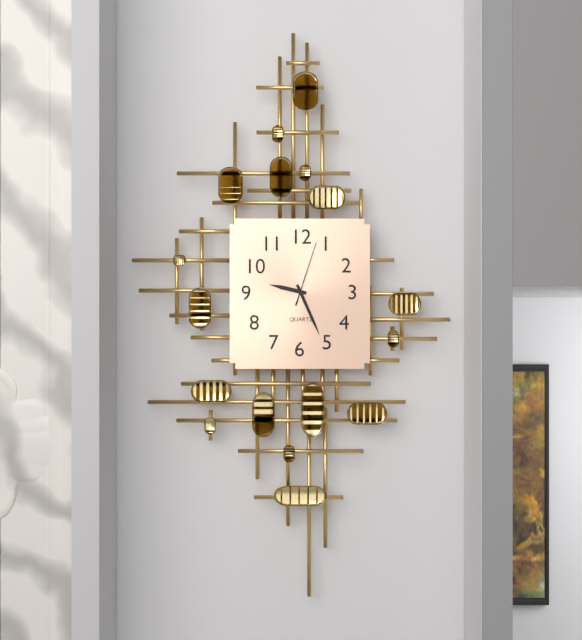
9:26:03
